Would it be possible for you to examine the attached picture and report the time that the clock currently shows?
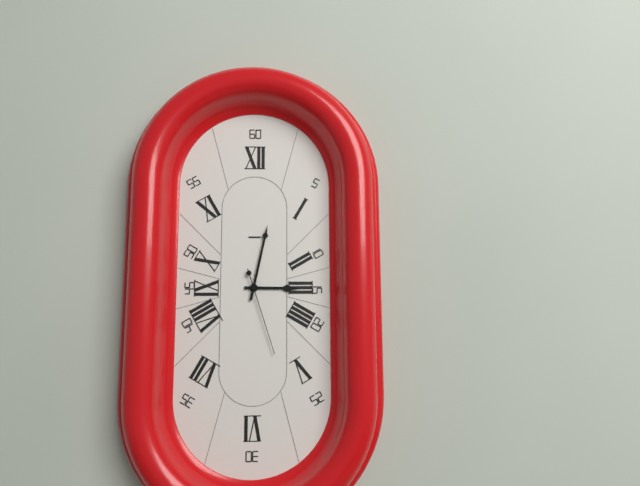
3:02:27
